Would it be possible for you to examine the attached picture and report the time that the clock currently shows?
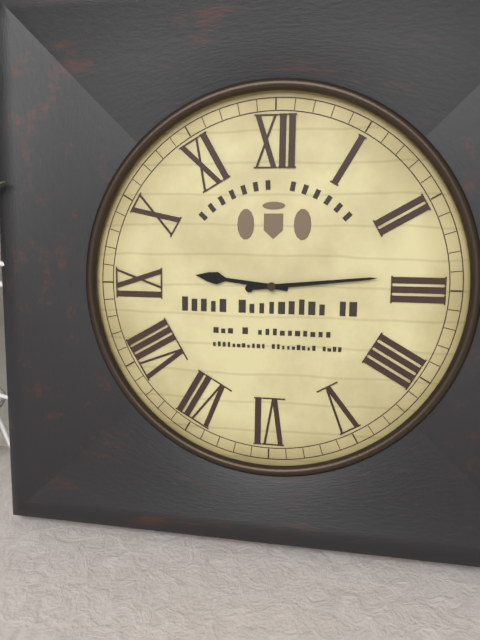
9:14
